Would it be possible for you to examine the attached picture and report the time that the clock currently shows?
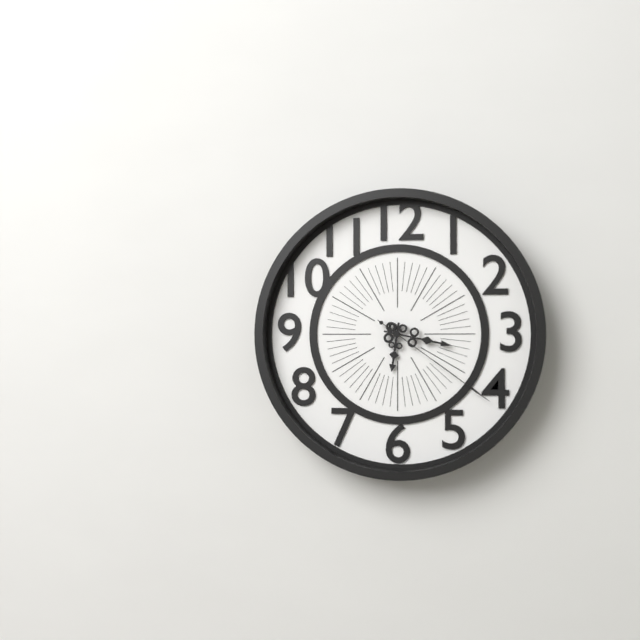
6:17:21
